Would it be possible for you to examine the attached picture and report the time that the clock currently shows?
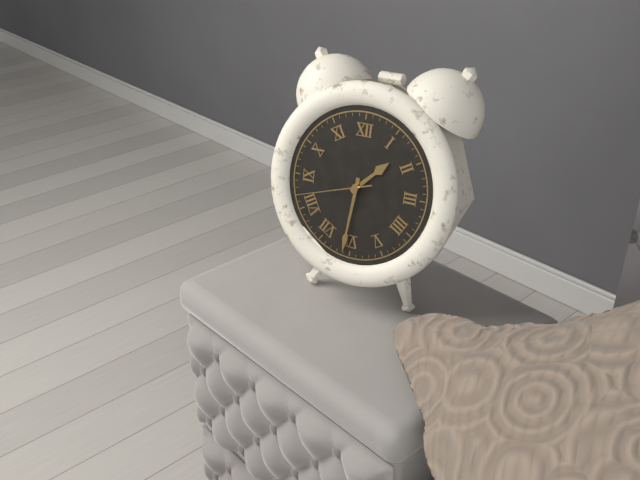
1:31:42
